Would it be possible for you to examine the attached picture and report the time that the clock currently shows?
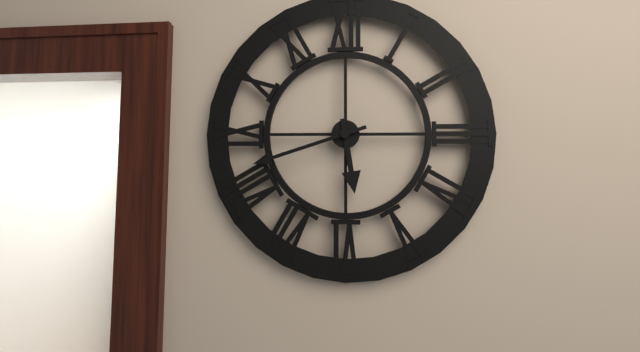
5:42
